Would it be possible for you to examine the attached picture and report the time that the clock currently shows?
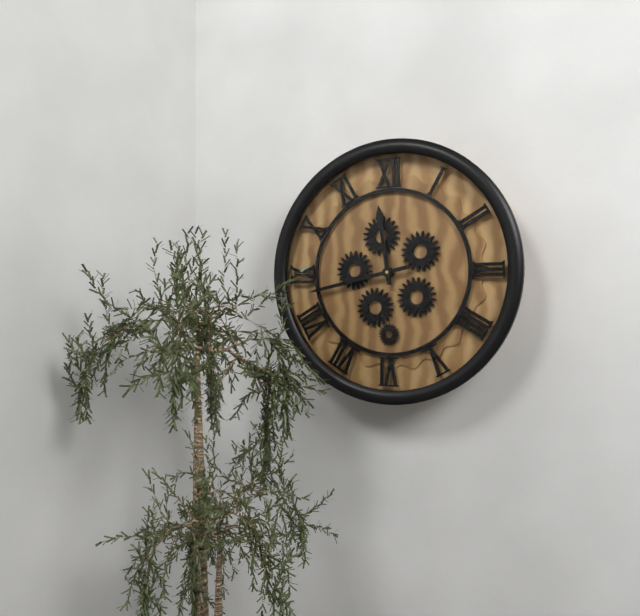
11:43
